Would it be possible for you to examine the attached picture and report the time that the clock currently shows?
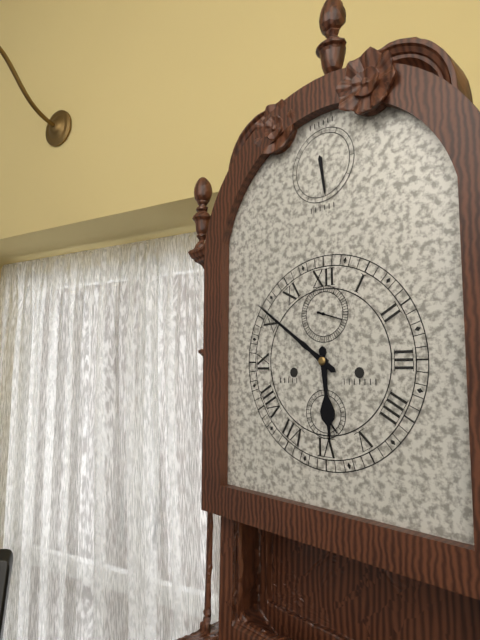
5:51
